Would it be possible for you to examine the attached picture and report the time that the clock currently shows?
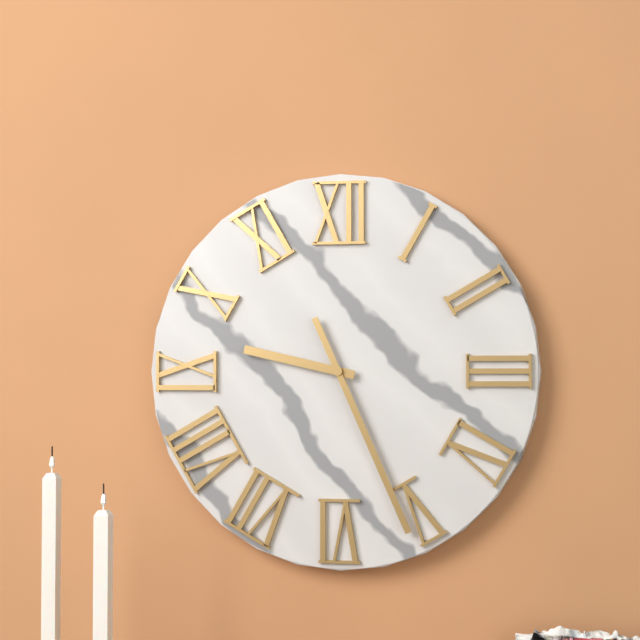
9:26
